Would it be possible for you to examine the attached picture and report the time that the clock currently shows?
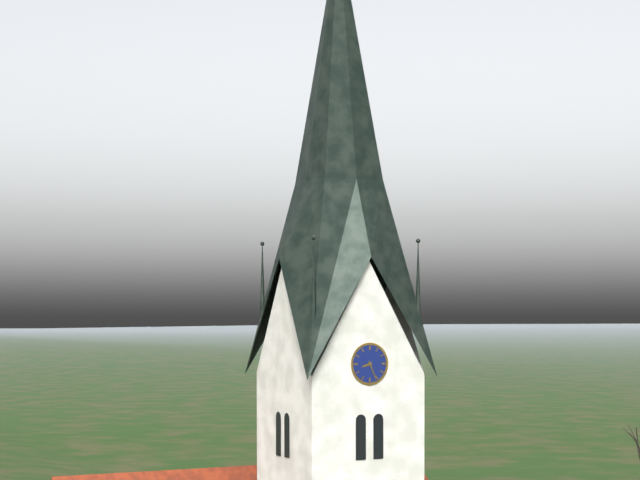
8:26
